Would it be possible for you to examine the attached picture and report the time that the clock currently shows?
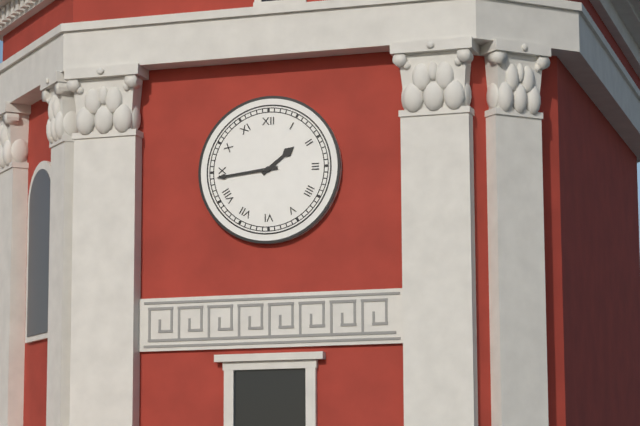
1:44
